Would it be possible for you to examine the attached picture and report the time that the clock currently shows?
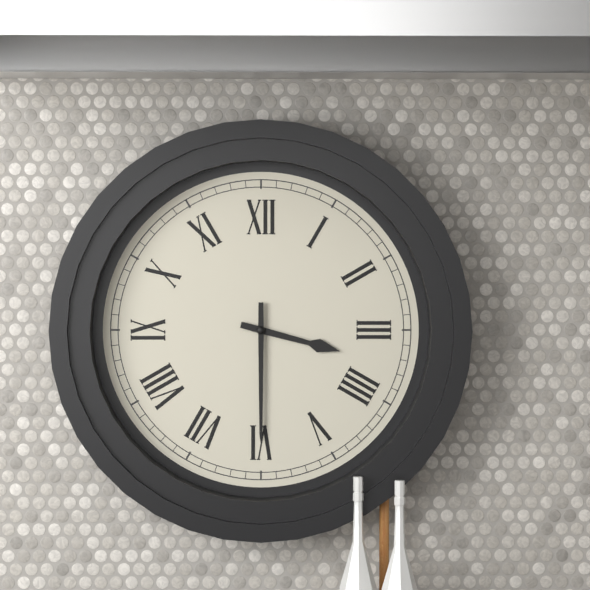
3:30
